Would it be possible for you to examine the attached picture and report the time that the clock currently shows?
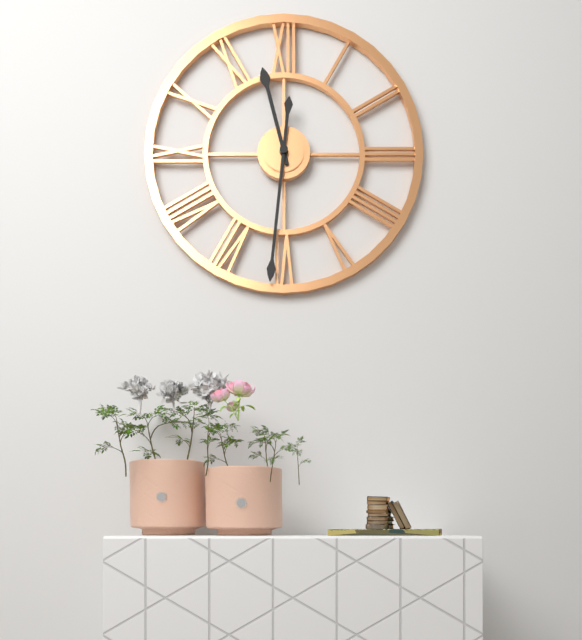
11:31
